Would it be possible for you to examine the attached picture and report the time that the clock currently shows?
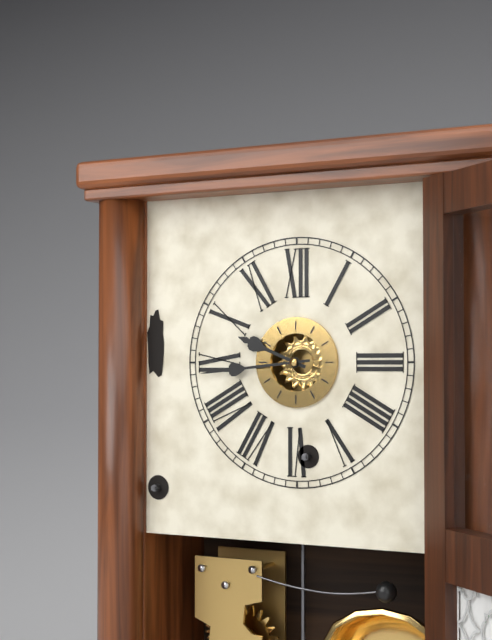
9:44
